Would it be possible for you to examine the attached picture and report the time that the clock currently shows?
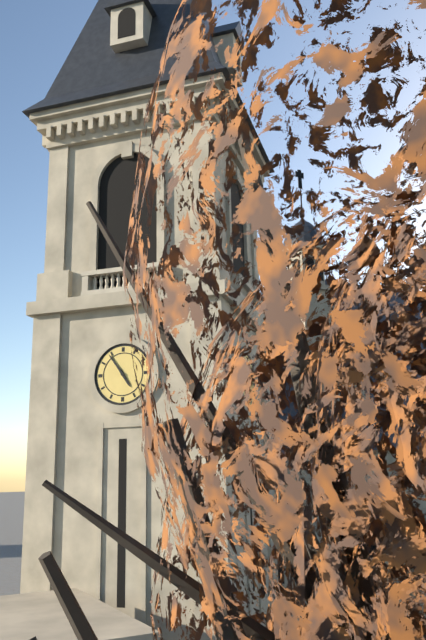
4:54
